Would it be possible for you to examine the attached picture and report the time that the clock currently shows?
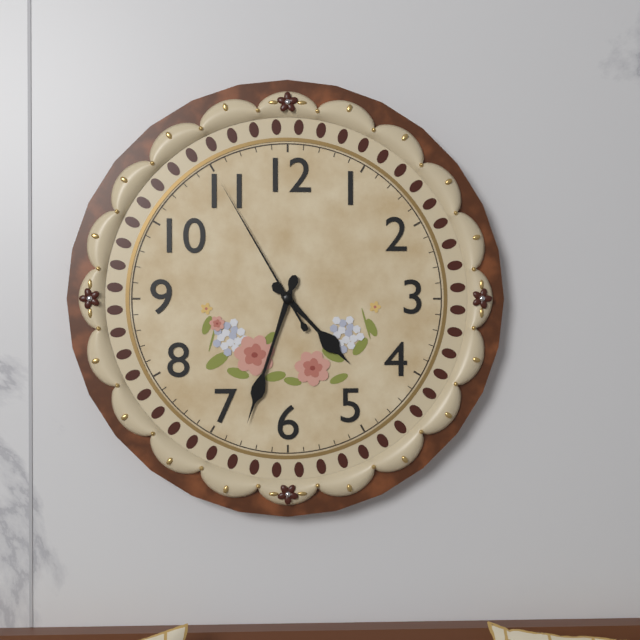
4:33:55
